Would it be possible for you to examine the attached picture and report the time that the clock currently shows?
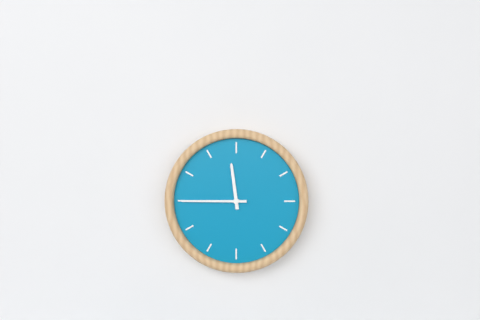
11:45
